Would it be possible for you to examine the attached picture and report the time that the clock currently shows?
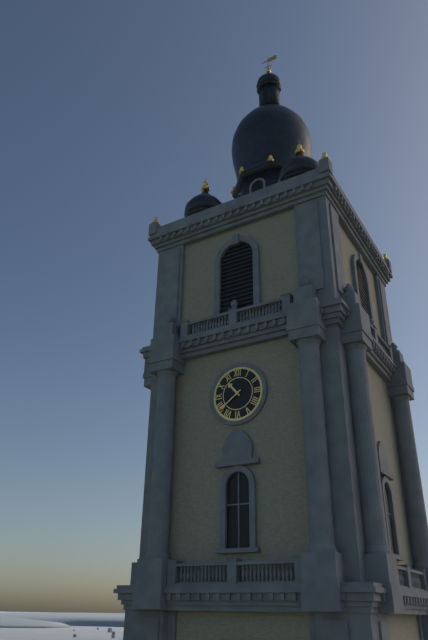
10:39
